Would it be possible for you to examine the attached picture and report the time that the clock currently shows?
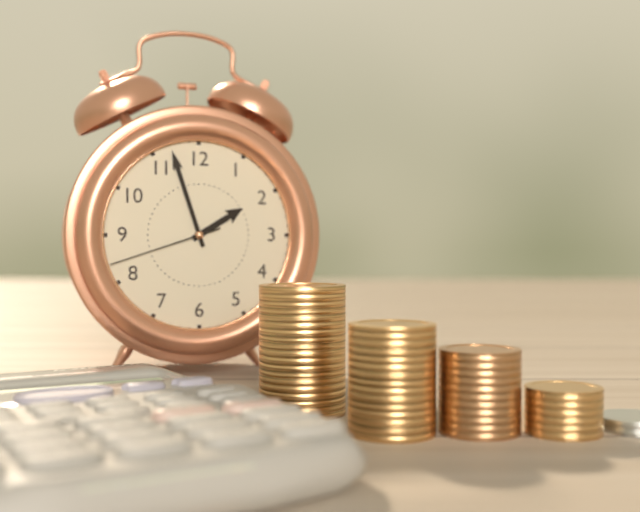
1:57:42
